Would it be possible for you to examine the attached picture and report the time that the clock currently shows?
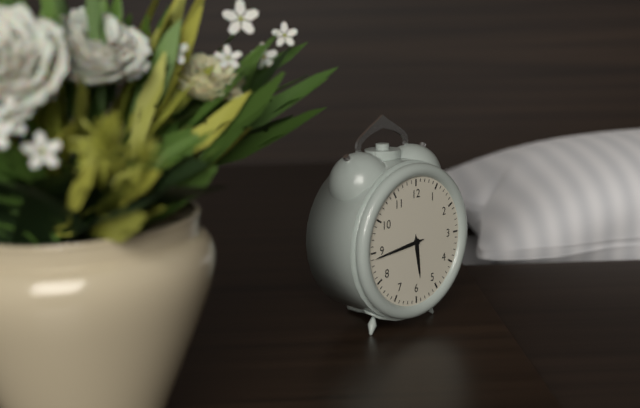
5:44
